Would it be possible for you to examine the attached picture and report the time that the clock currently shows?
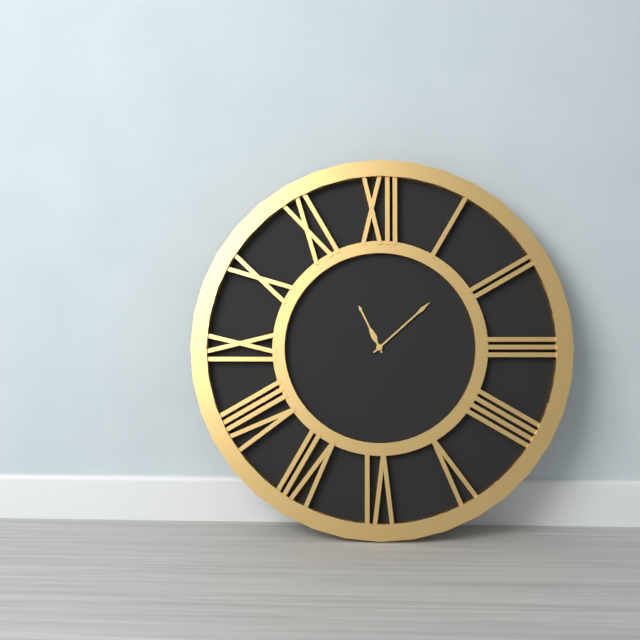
11:08
